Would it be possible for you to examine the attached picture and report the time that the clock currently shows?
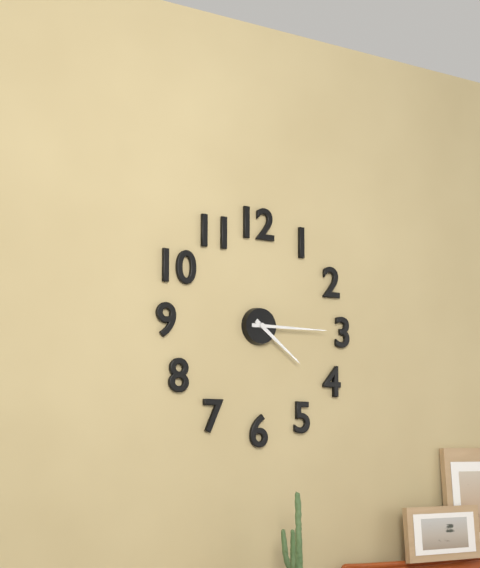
4:15
